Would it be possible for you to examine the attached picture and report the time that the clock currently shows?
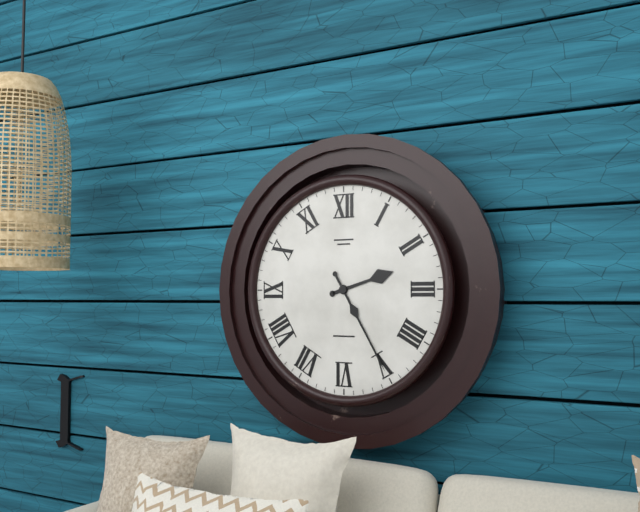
2:25
